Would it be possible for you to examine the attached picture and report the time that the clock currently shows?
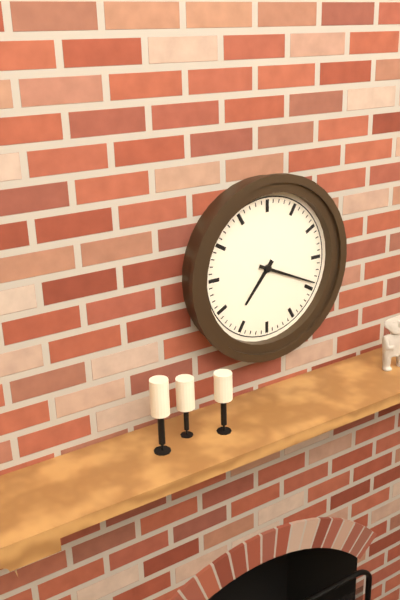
7:19
